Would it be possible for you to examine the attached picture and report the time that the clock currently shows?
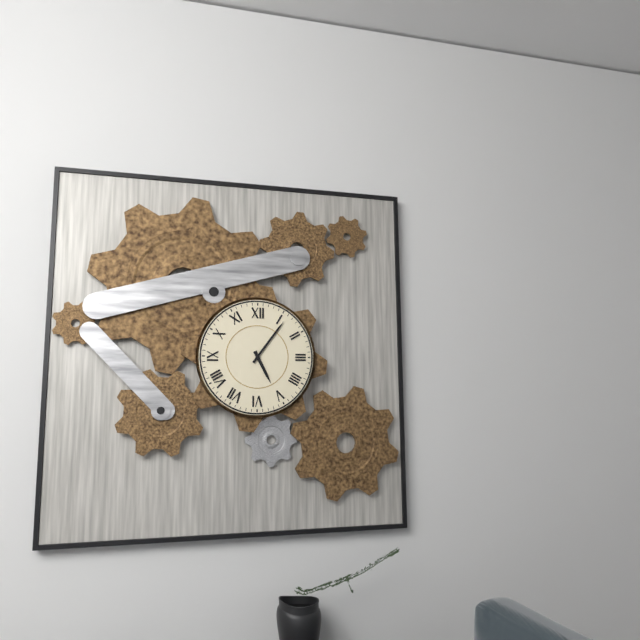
5:06
